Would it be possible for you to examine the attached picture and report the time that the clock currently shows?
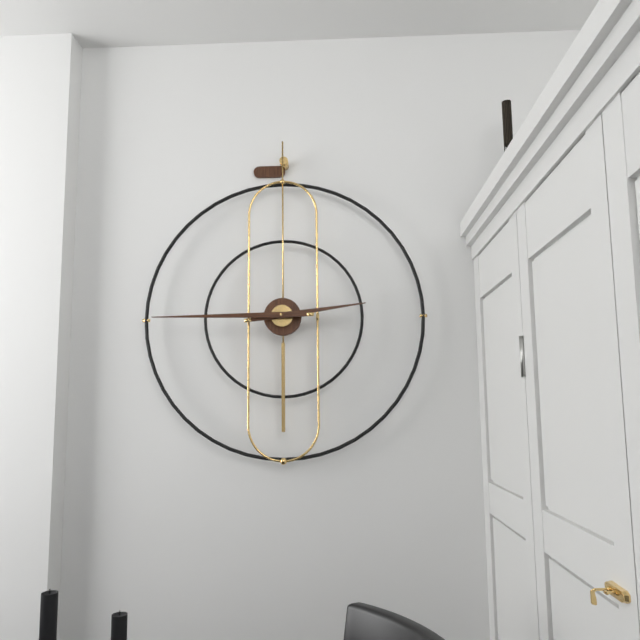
2:45
